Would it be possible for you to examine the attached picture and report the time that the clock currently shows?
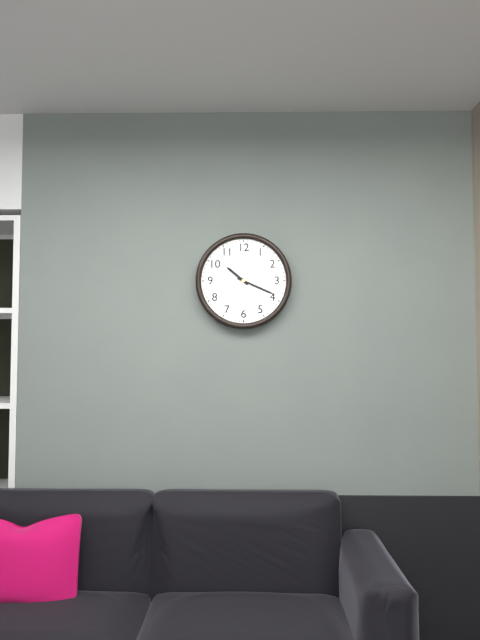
10:19
